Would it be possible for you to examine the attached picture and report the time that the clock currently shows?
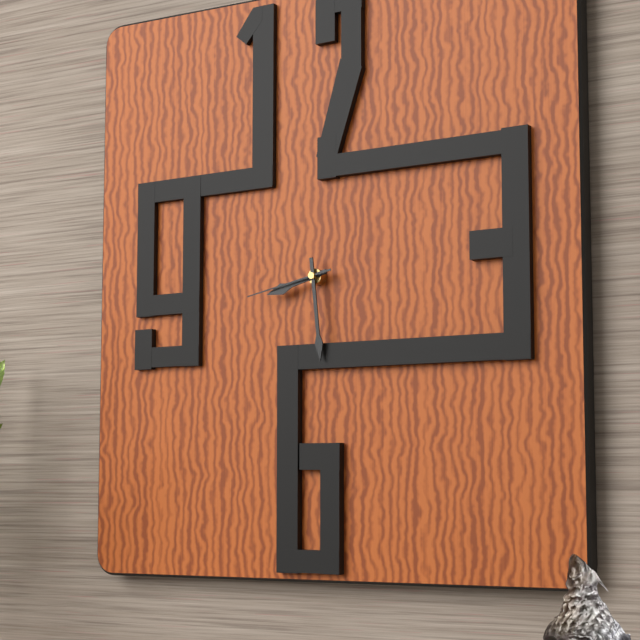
8:29:43
